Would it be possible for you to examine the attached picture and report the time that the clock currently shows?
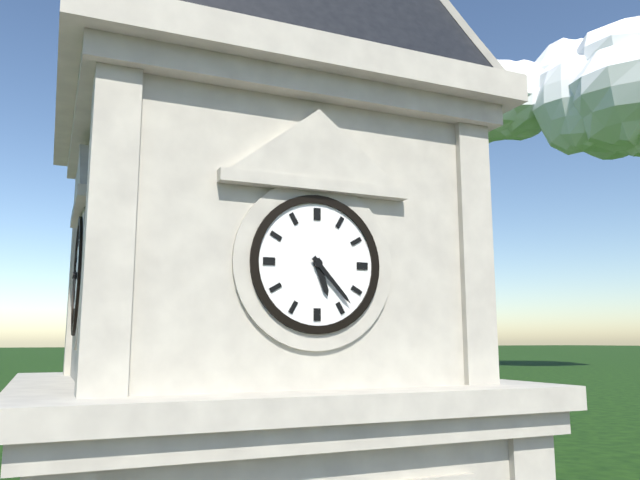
5:23
